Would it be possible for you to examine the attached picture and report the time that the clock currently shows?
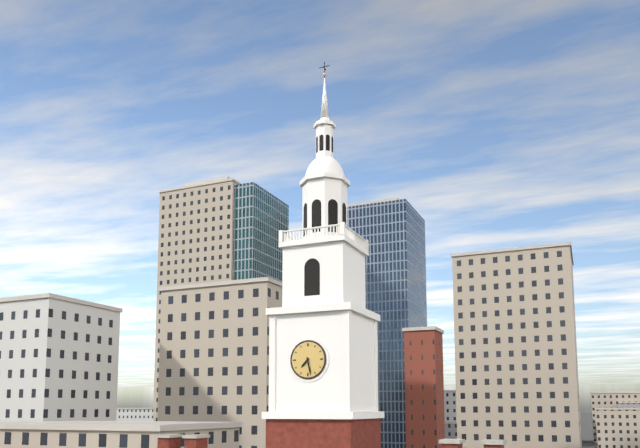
7:28
